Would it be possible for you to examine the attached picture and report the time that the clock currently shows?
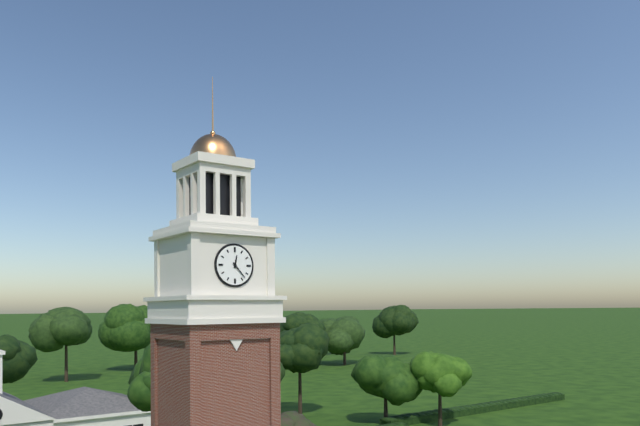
12:23
